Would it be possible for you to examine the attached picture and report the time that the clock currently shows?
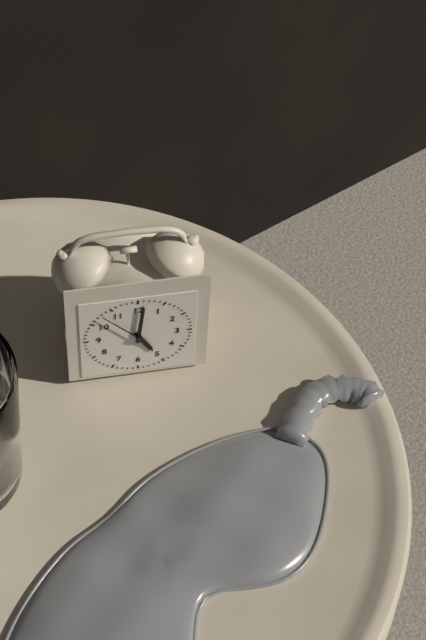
5:01
